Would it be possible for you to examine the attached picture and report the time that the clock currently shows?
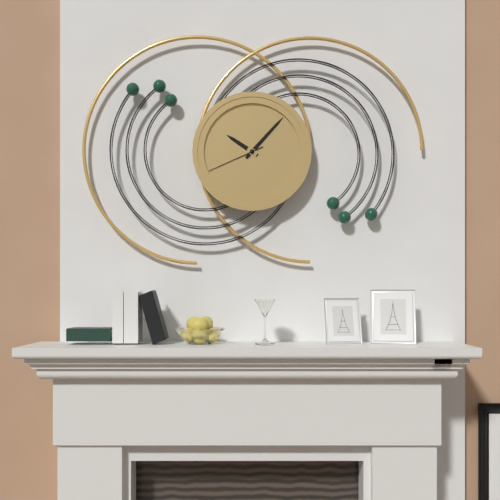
10:07:41
